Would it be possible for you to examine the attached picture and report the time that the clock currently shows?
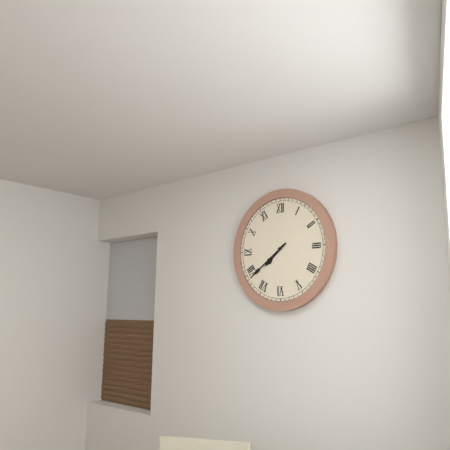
7:39
